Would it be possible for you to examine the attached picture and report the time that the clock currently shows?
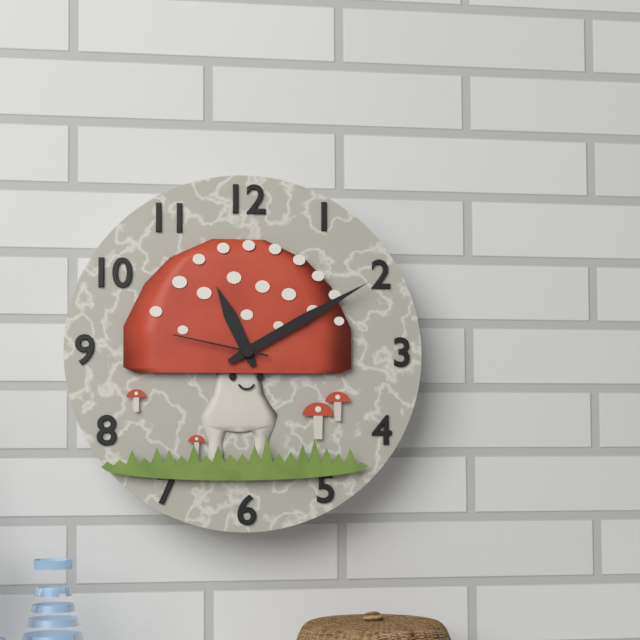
11:10:47
